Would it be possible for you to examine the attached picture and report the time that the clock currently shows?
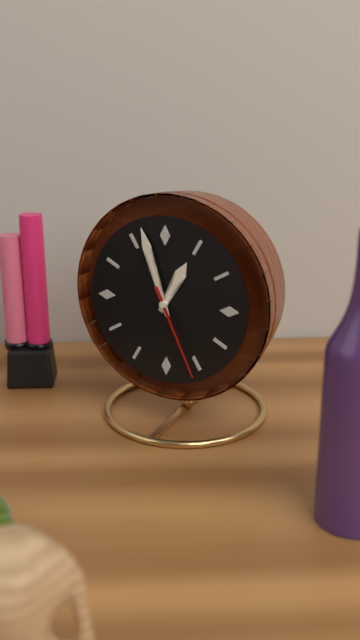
12:57:26
